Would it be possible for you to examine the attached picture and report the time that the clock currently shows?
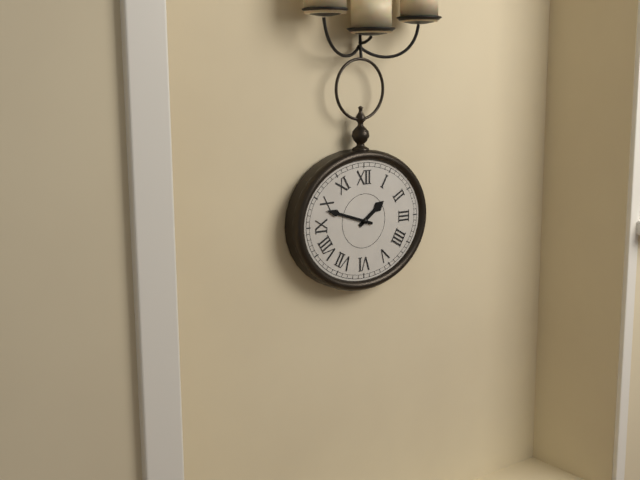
1:48
